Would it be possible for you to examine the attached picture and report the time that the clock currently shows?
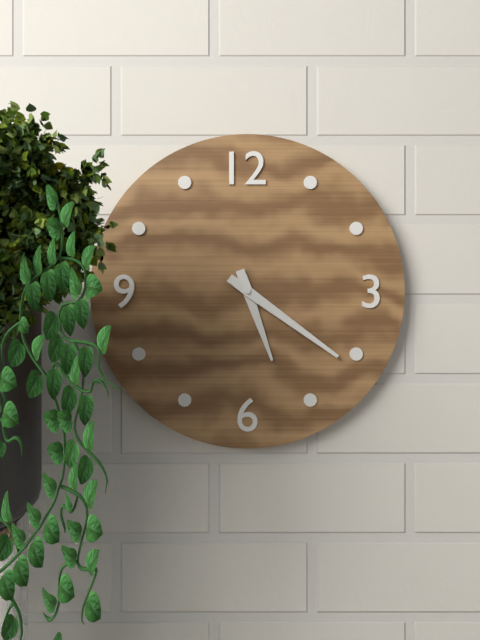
5:21
